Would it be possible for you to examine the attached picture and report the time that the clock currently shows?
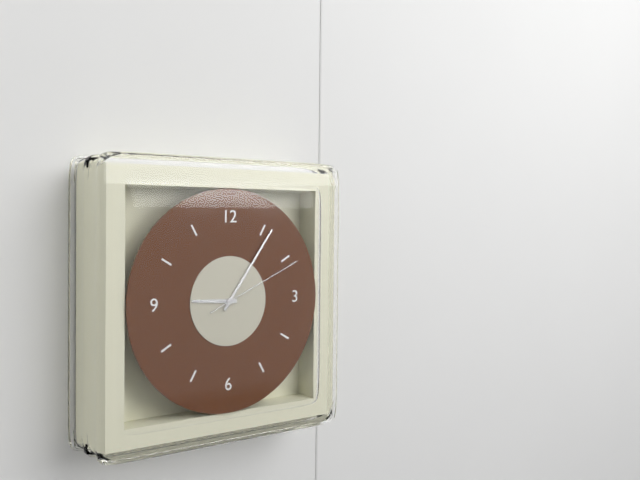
9:06:11
